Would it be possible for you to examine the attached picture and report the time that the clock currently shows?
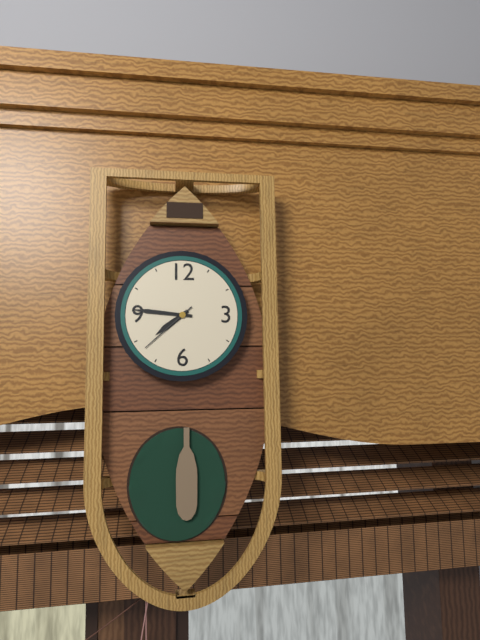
7:46:38
